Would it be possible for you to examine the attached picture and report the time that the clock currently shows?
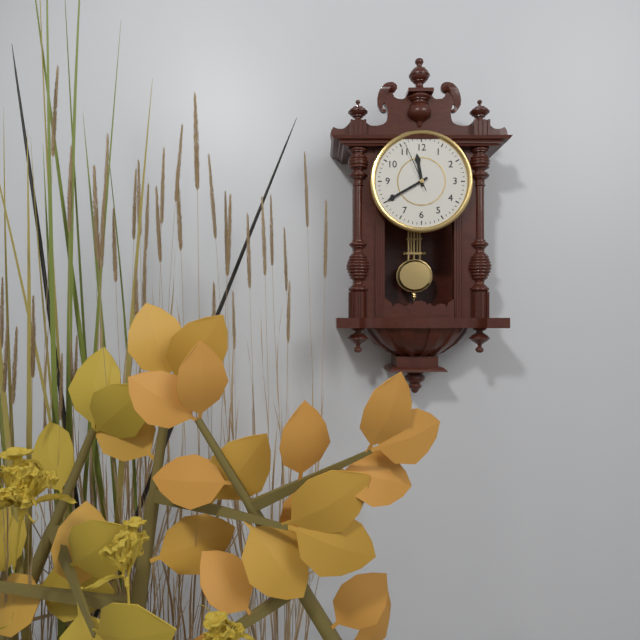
11:40:56
